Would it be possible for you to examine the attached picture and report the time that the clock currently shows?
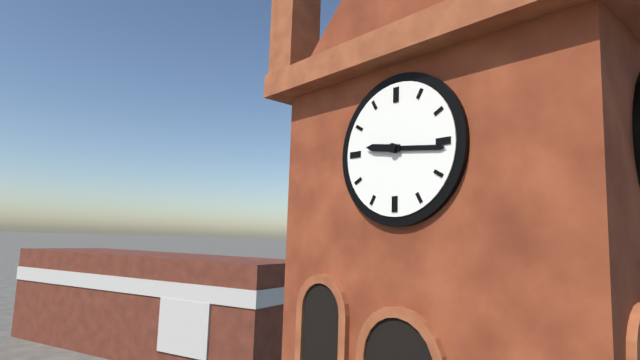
9:16
